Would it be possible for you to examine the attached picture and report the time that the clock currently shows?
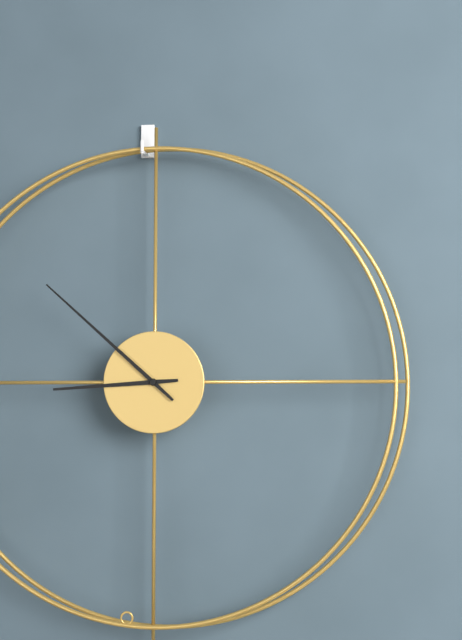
8:52
